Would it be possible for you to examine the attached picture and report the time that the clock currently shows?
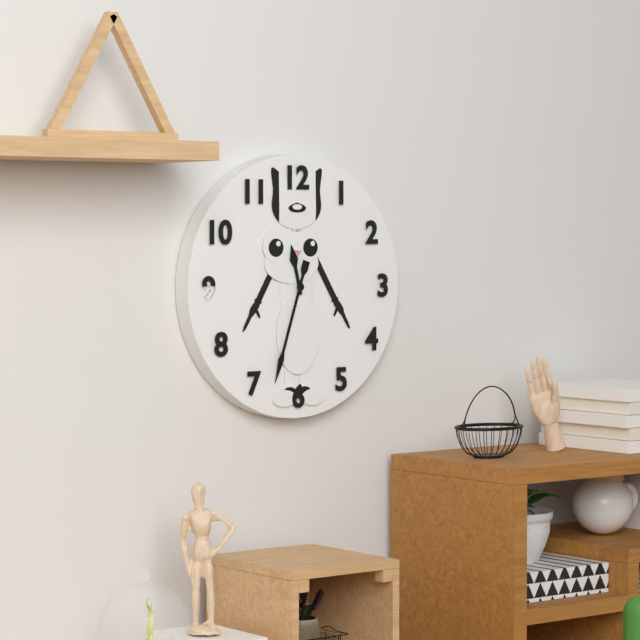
11:33
